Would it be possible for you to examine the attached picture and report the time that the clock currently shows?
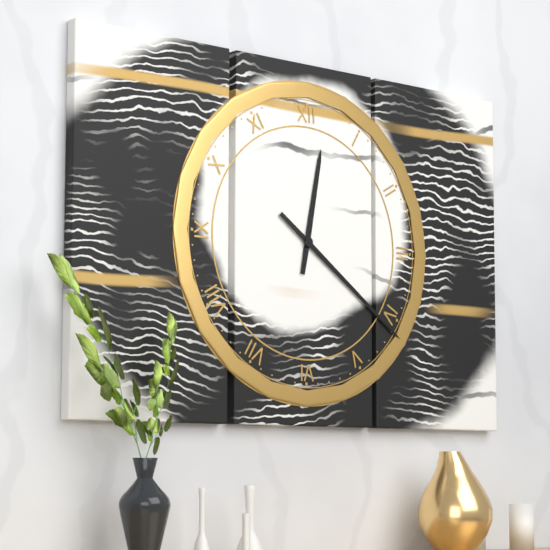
12:21
